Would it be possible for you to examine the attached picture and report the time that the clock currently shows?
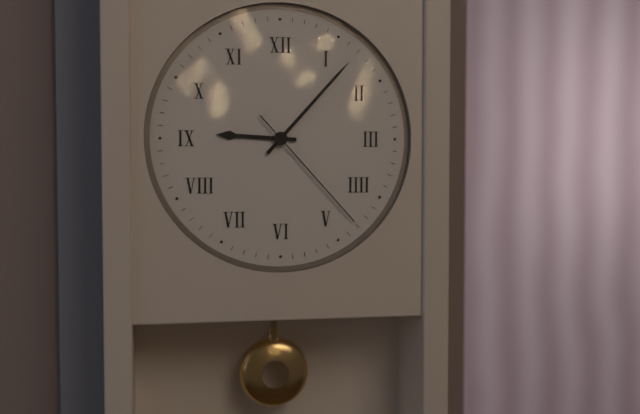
9:07:23
